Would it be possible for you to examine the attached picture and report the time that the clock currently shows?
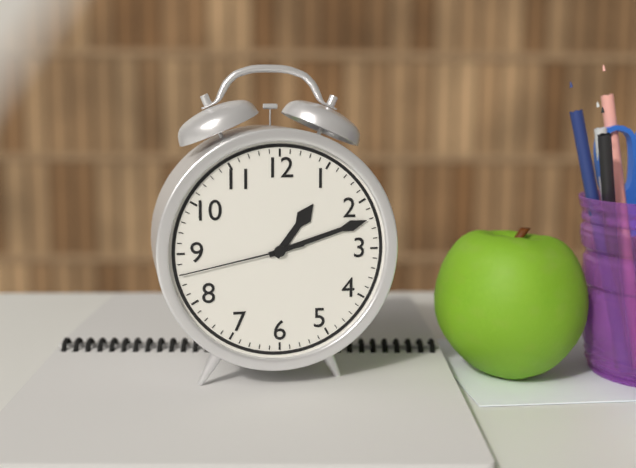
1:12:43
